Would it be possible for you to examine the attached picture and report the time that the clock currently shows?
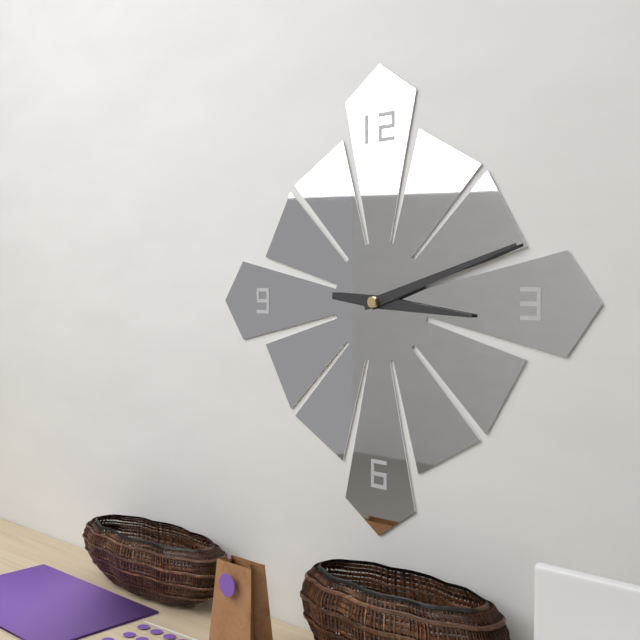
3:12
